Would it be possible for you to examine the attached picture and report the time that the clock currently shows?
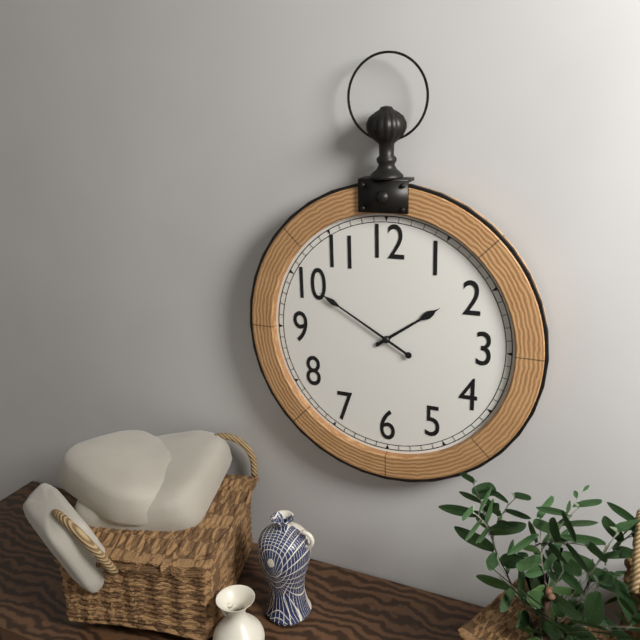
1:50
